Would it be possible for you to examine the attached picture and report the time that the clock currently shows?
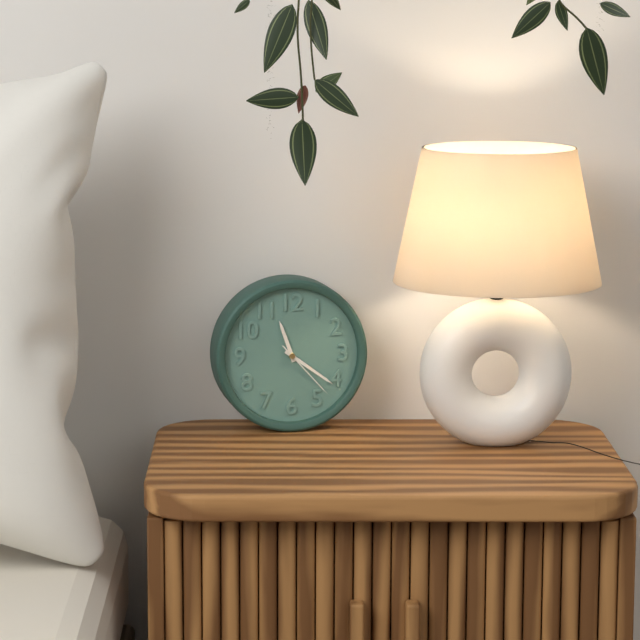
11:21:23
